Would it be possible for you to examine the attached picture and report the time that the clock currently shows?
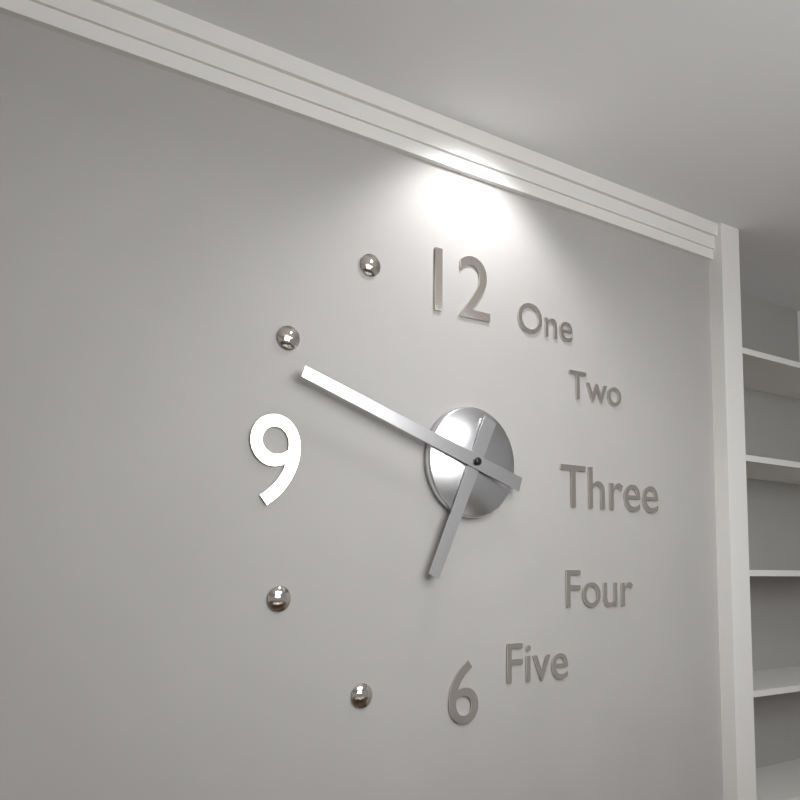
6:48
